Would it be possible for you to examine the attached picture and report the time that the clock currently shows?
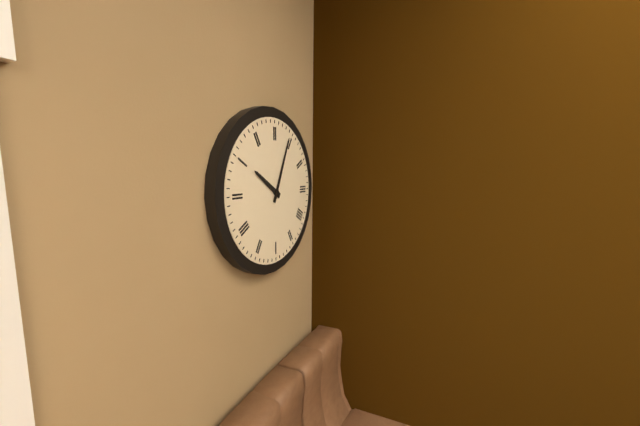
10:04
